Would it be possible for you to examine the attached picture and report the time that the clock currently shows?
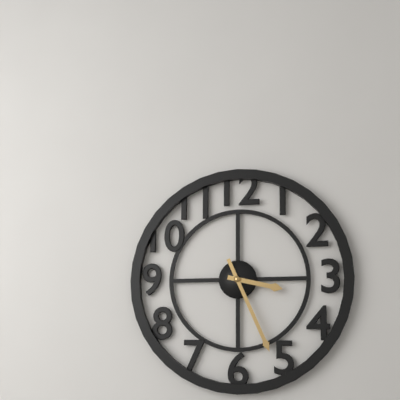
3:26
